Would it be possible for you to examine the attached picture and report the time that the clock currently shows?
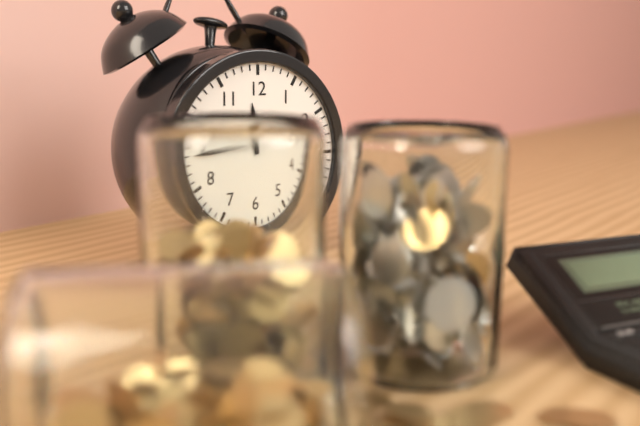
11:44
